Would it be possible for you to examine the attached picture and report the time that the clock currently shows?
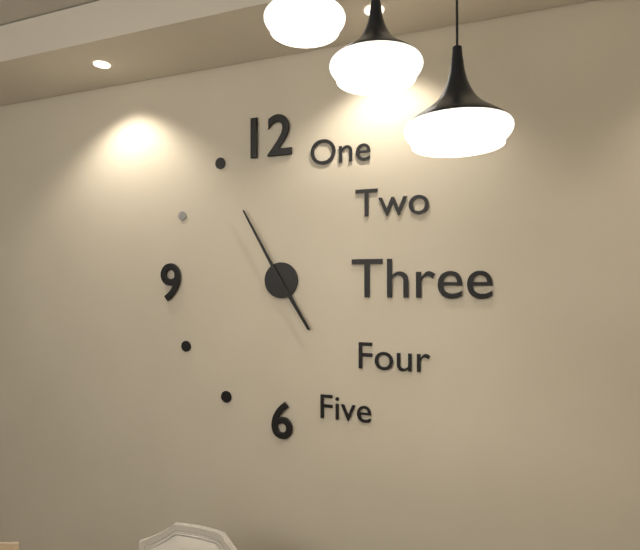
4:55
